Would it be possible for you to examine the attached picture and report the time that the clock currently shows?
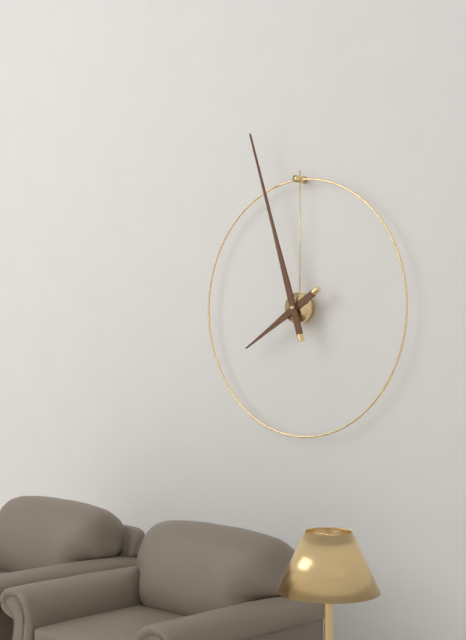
7:57
